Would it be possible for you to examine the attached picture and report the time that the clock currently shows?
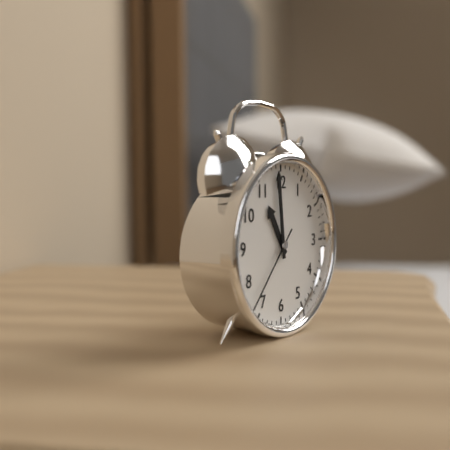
10:59:37
